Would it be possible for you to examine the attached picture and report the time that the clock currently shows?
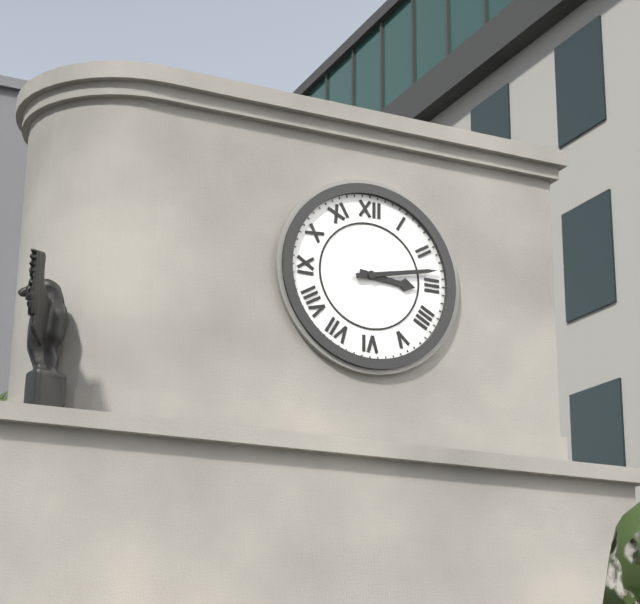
3:13
